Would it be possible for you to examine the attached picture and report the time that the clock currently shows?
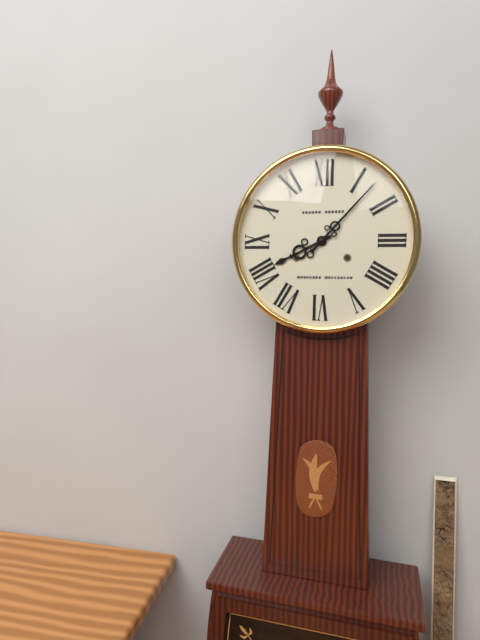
8:07
